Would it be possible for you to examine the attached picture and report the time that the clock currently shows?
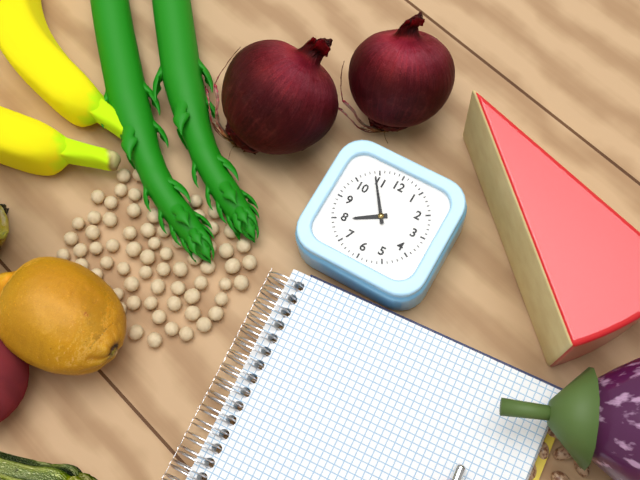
7:54
